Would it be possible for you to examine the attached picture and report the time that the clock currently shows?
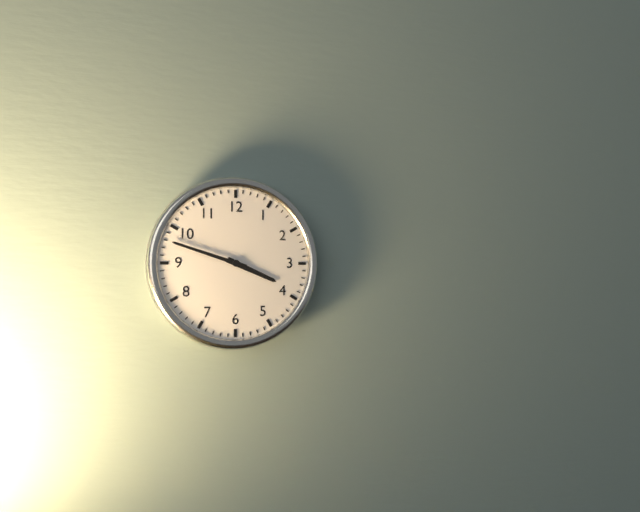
3:48
